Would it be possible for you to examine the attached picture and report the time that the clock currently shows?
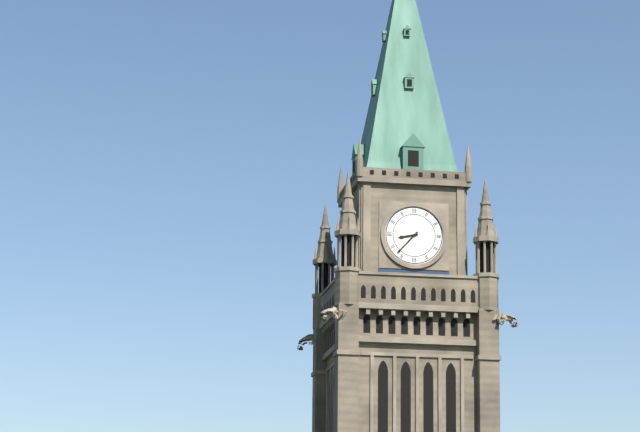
8:37
